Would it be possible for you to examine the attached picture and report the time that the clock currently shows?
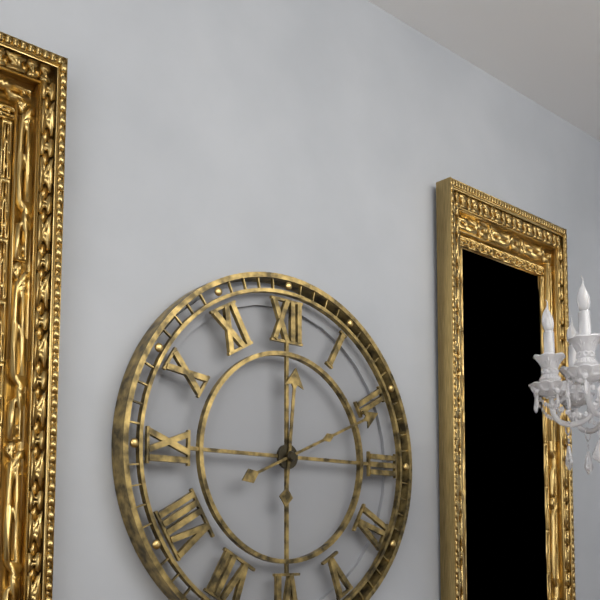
12:11
